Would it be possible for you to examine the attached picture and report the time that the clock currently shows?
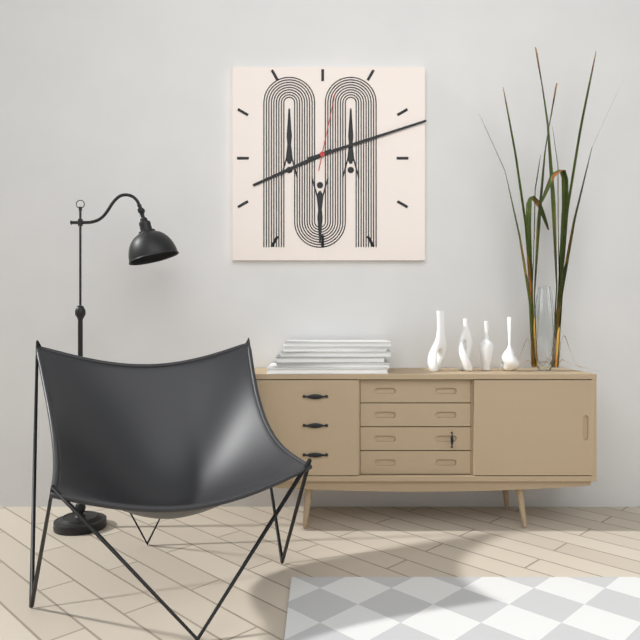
8:12:02
